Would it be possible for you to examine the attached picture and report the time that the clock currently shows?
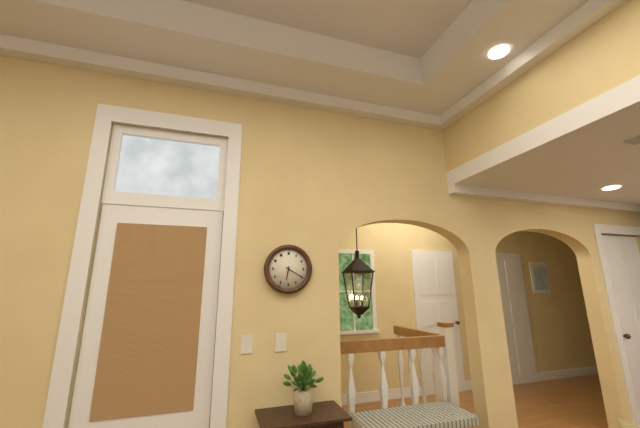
6:20
